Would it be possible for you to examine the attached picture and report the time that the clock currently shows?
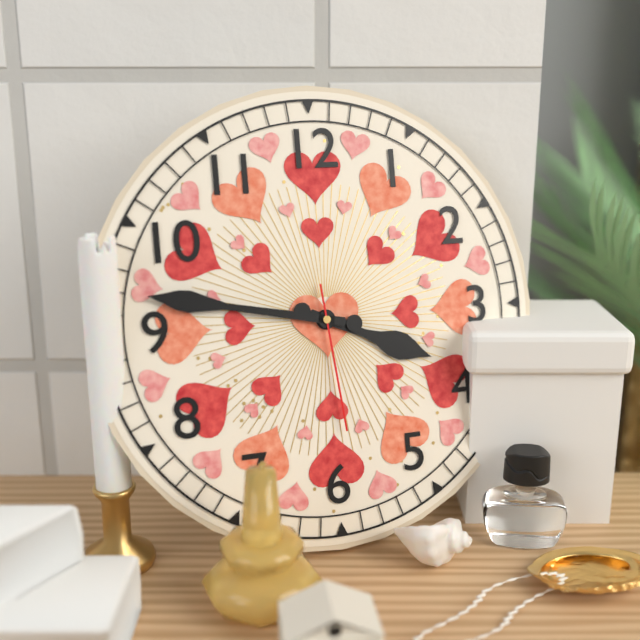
3:47:29
